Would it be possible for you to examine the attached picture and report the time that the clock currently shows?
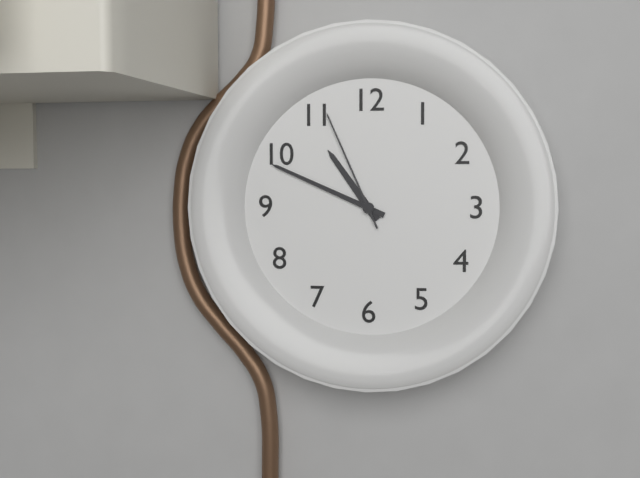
10:49:56
